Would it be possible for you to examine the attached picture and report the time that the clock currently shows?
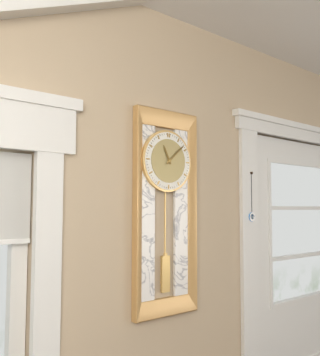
11:08
